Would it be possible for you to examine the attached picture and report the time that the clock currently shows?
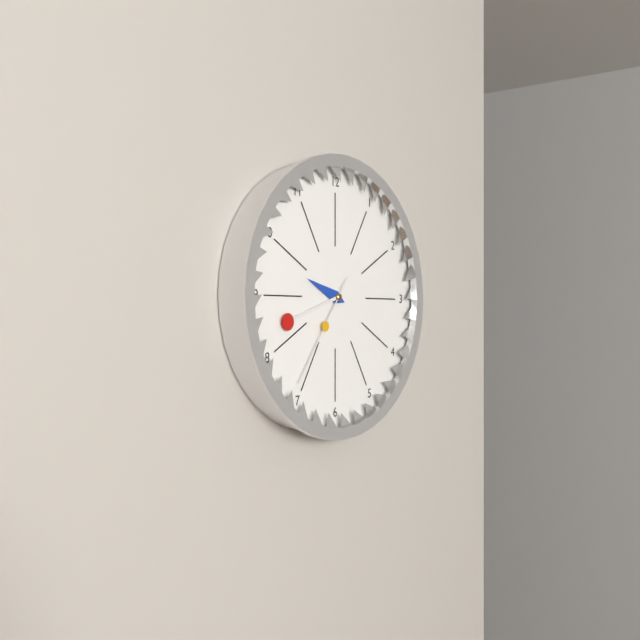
9:42:36
